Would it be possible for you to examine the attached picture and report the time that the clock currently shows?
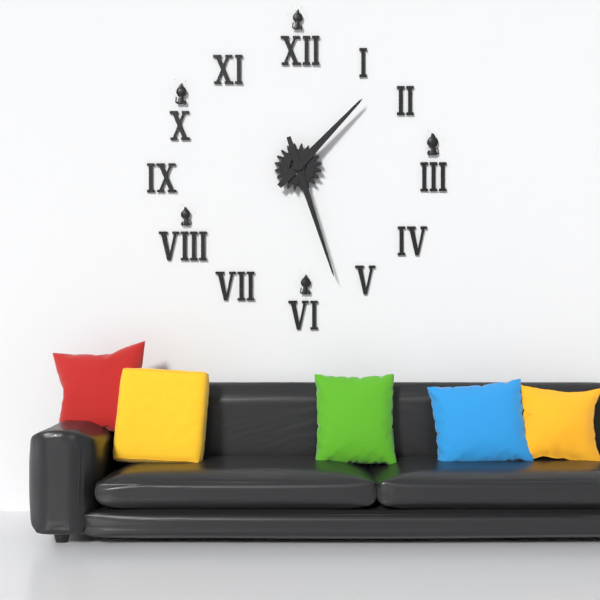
1:27
